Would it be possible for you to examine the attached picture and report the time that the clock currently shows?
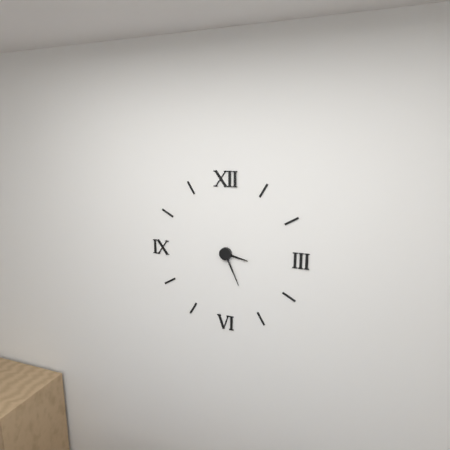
3:26
